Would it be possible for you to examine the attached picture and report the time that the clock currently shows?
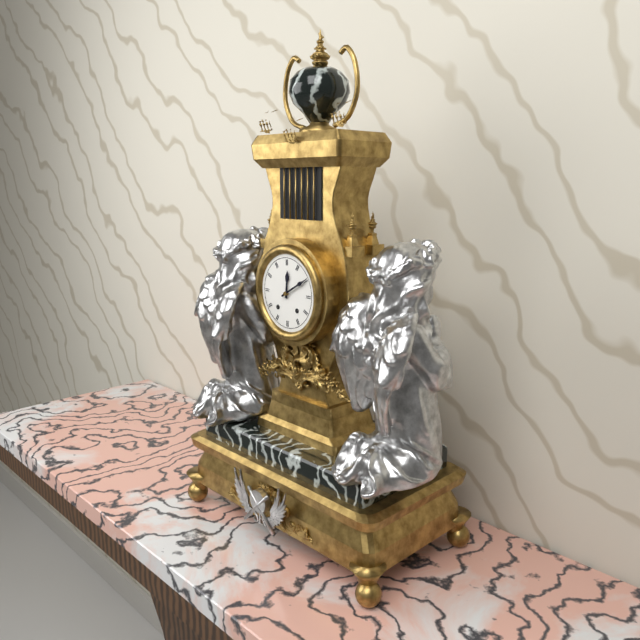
12:10
